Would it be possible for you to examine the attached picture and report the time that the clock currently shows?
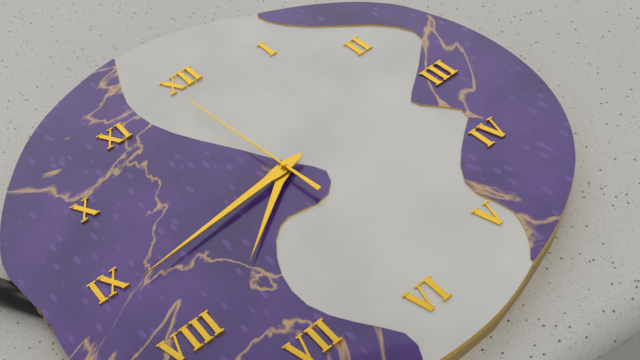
7:44:59
